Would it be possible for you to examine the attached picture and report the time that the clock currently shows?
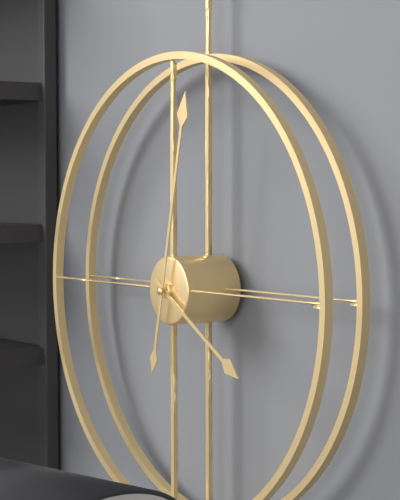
4:02
